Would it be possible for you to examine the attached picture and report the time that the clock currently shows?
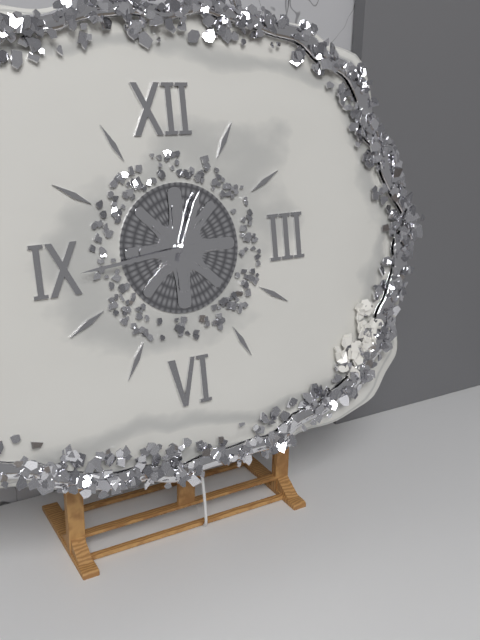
12:44
